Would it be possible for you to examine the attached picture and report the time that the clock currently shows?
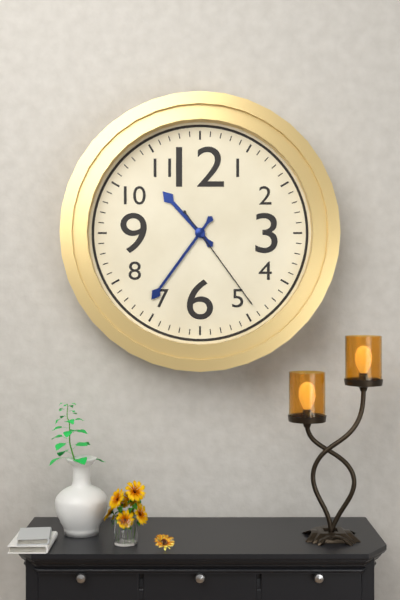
10:36:24
